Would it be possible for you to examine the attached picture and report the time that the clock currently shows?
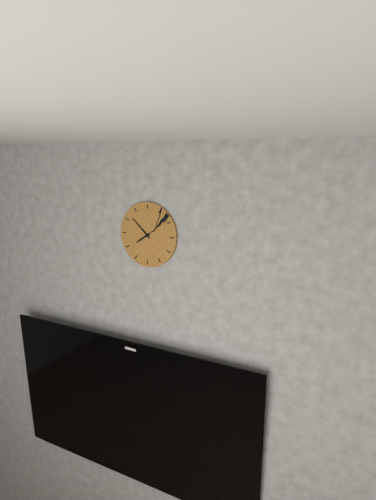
7:52
